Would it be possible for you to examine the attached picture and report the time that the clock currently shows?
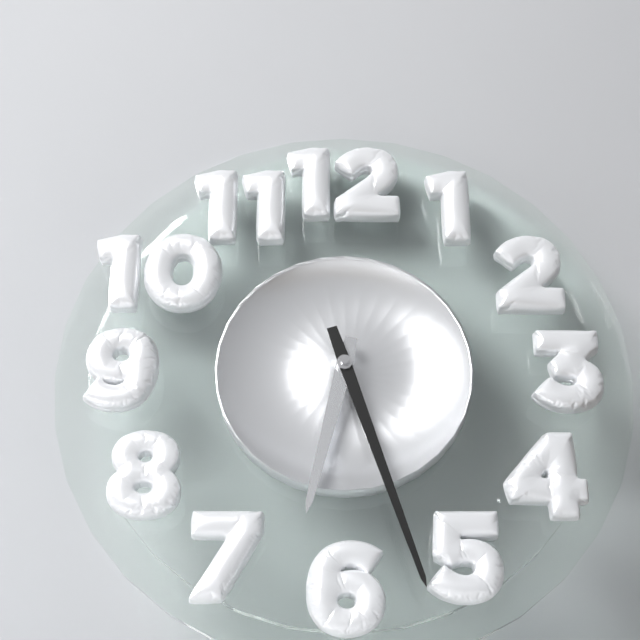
6:27
